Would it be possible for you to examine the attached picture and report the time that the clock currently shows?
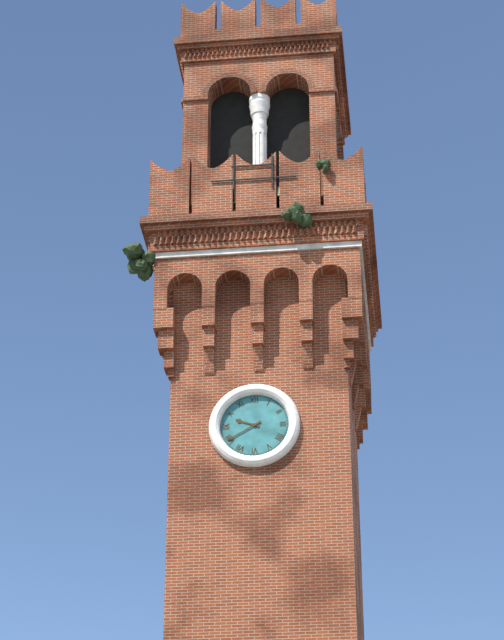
9:40
